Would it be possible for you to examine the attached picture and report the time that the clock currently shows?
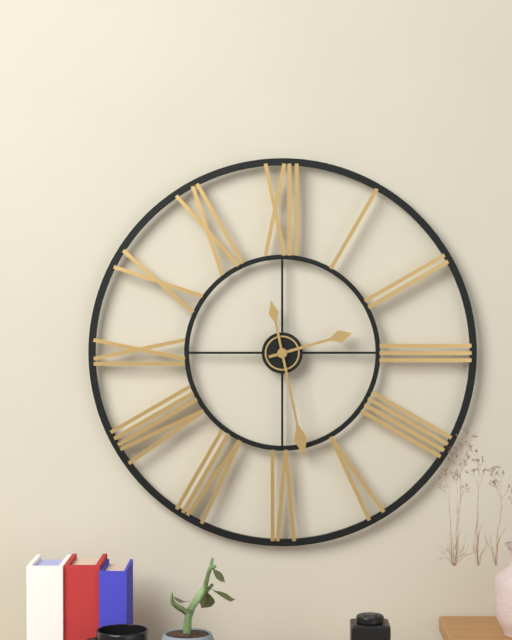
2:28
